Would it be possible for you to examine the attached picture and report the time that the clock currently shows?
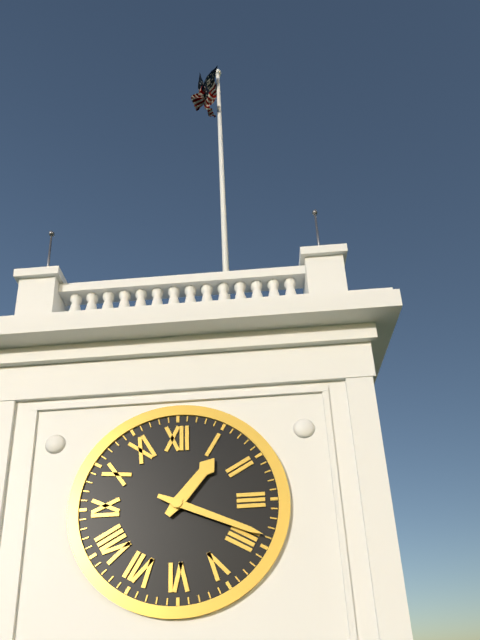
1:19
